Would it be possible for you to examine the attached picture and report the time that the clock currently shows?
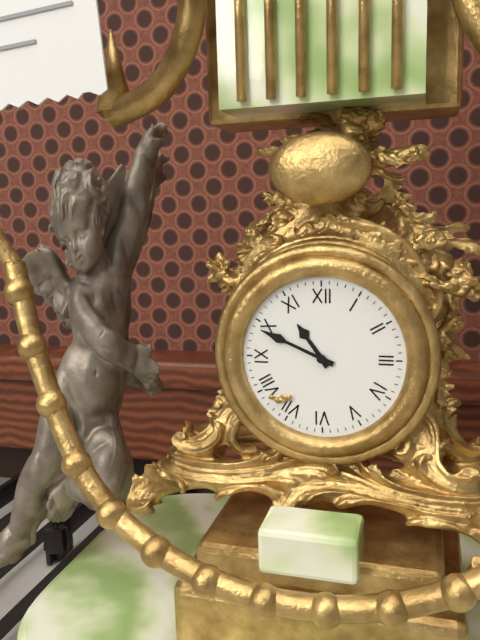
10:49
